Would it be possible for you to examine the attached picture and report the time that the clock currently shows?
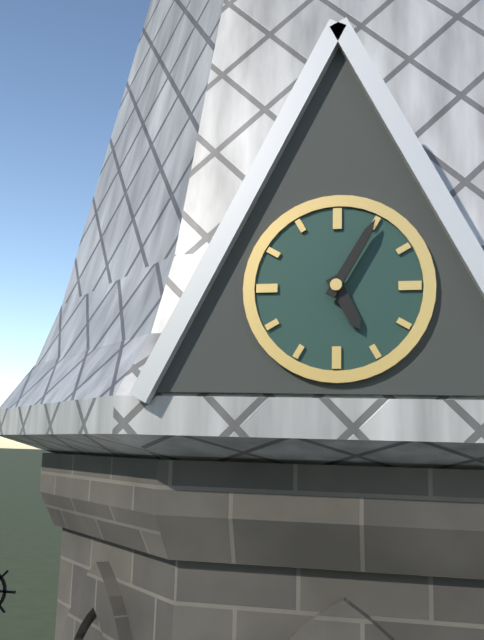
5:05
